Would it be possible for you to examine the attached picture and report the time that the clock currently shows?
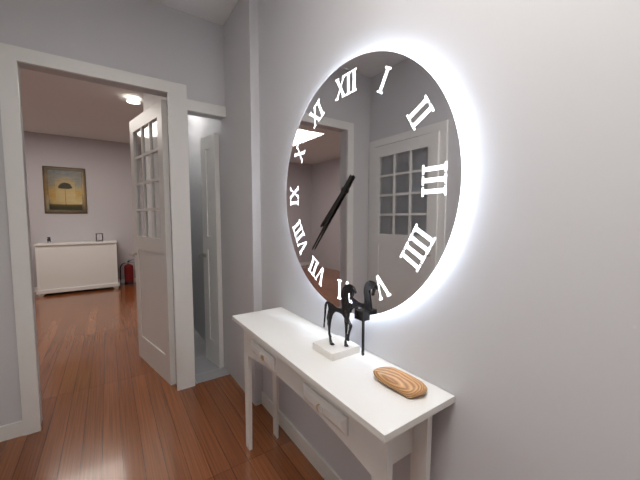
7:37
